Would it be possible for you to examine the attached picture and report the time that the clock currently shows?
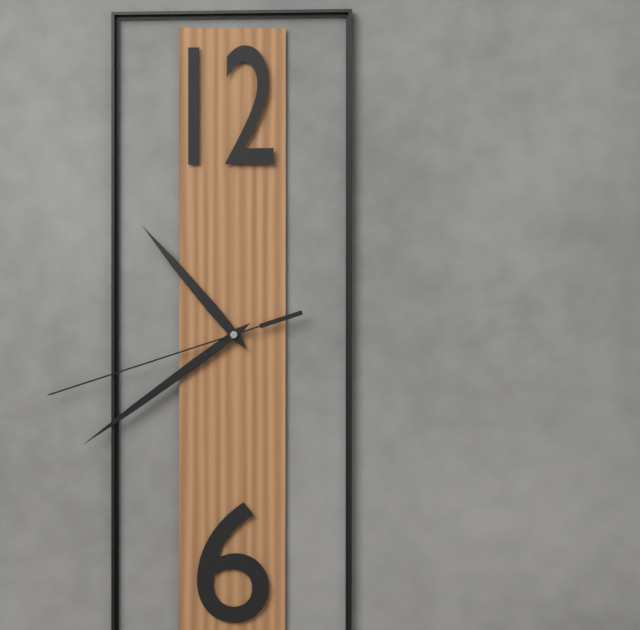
10:39:42
